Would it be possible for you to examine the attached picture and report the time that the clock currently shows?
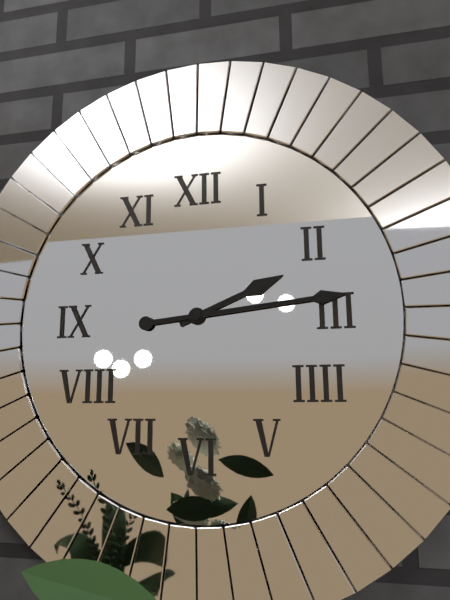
2:14
